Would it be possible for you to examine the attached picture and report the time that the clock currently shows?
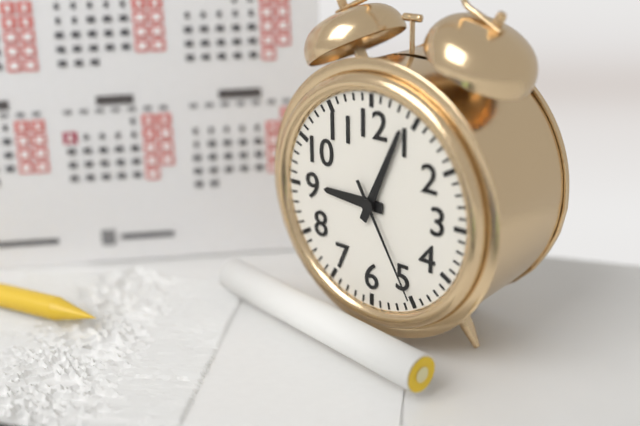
9:04:25
